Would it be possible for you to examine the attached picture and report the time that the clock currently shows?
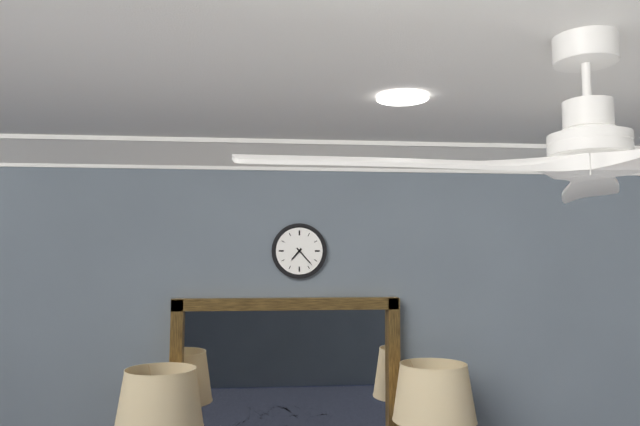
7:23
